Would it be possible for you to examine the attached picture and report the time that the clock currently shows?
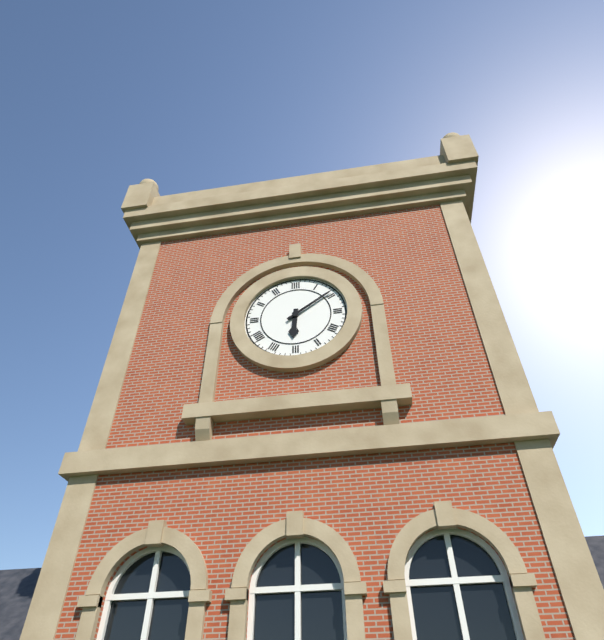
6:09
